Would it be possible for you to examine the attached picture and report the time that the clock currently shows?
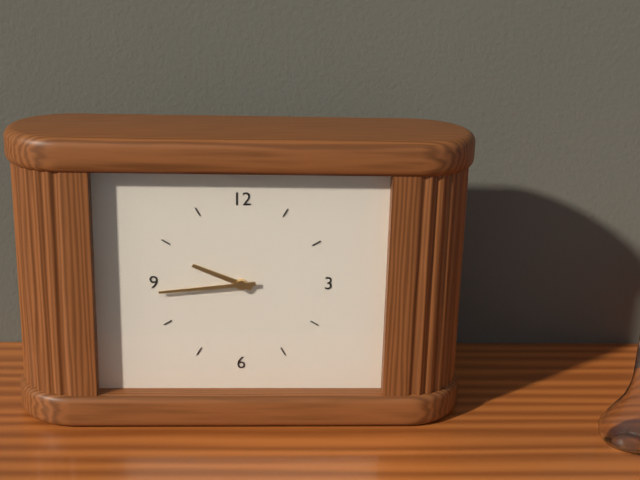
9:44
